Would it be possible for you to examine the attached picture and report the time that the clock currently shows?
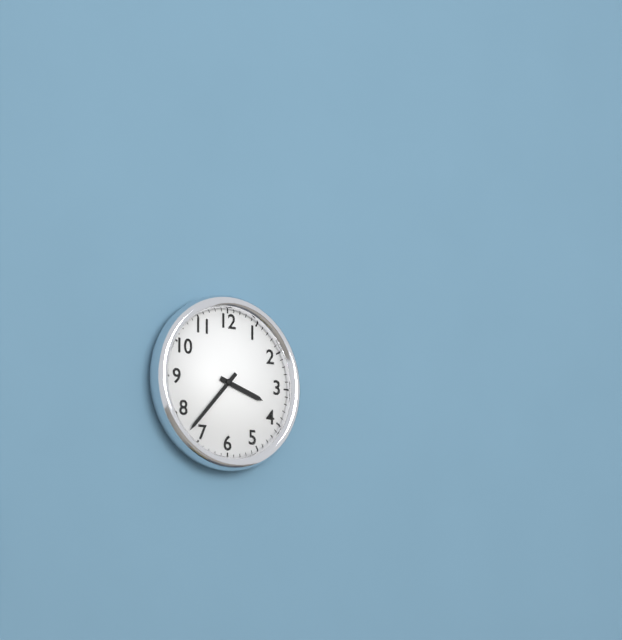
3:37
